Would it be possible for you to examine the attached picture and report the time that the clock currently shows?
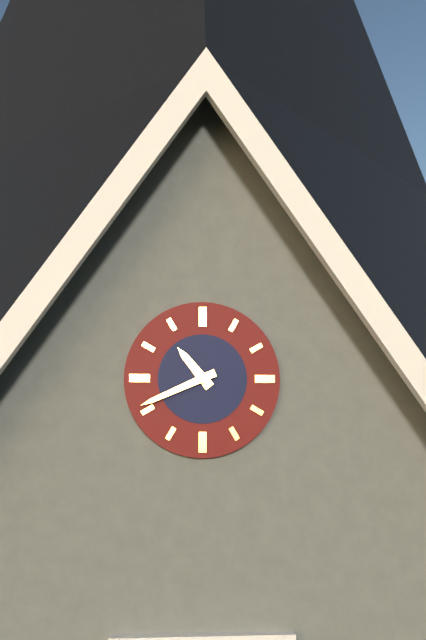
10:41
